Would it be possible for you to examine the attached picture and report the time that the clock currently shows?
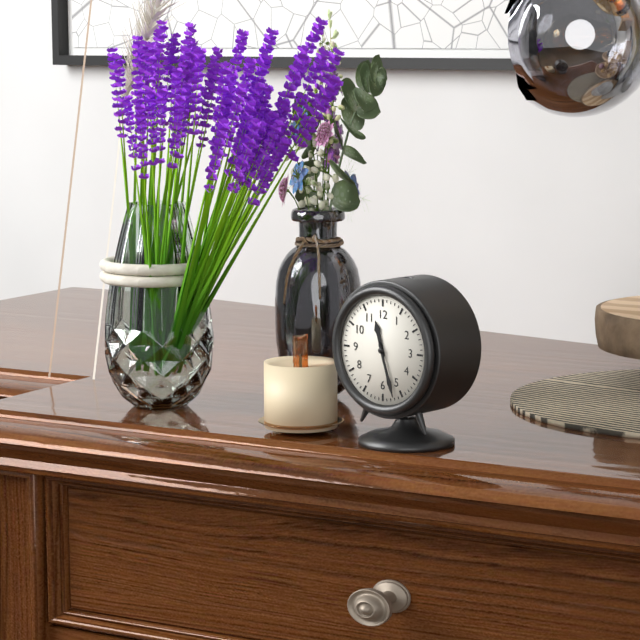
11:27
